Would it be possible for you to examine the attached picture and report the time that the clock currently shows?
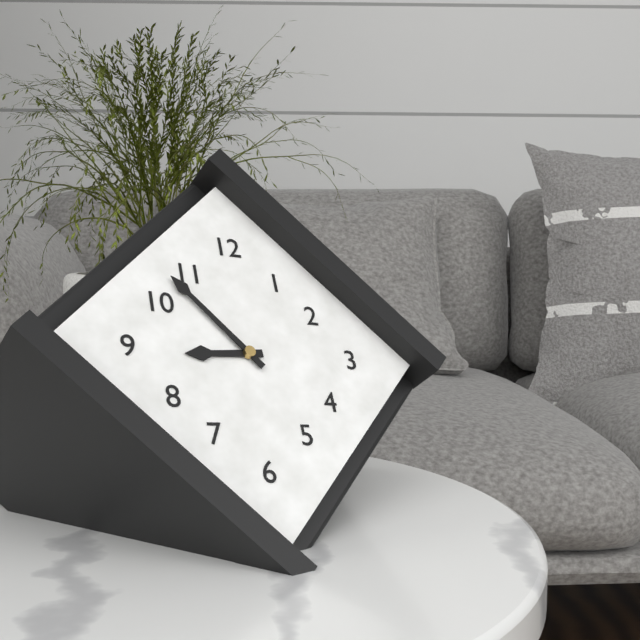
8:53
